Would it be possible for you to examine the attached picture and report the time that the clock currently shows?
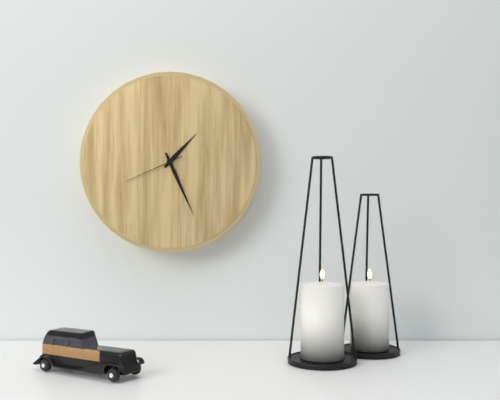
1:26:41
